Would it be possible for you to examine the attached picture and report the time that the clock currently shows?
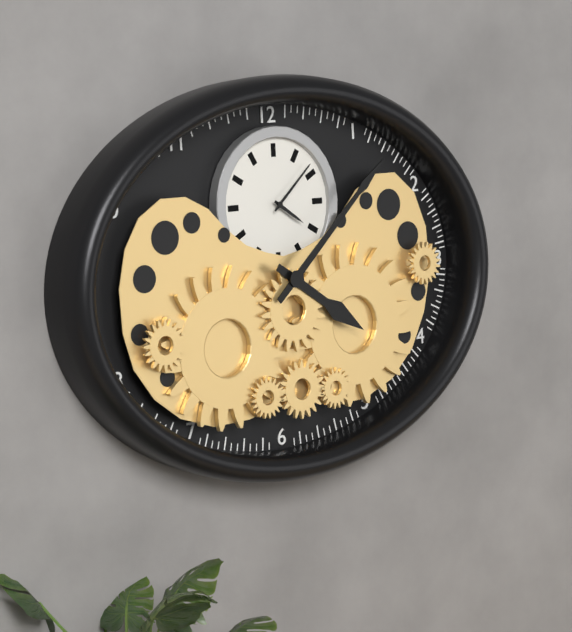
4:08
